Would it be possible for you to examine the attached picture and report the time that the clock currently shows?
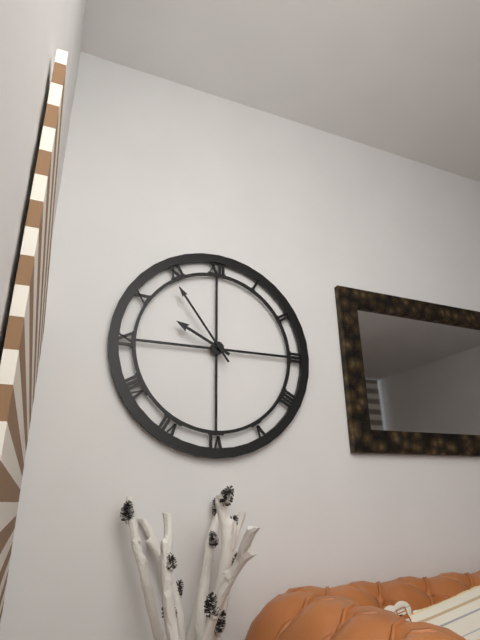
9:54
